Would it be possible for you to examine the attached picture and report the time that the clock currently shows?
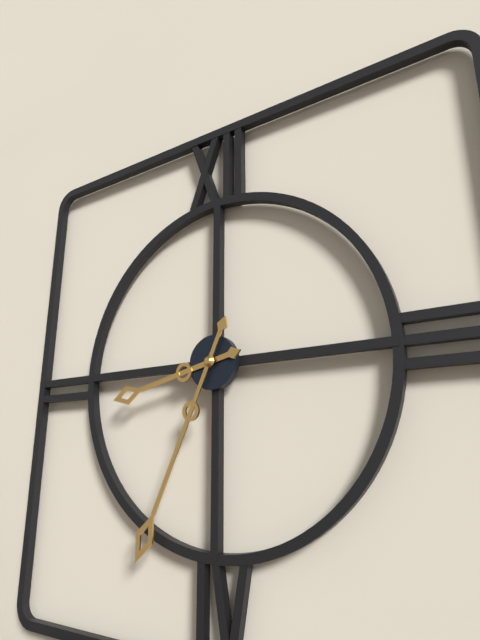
8:34
